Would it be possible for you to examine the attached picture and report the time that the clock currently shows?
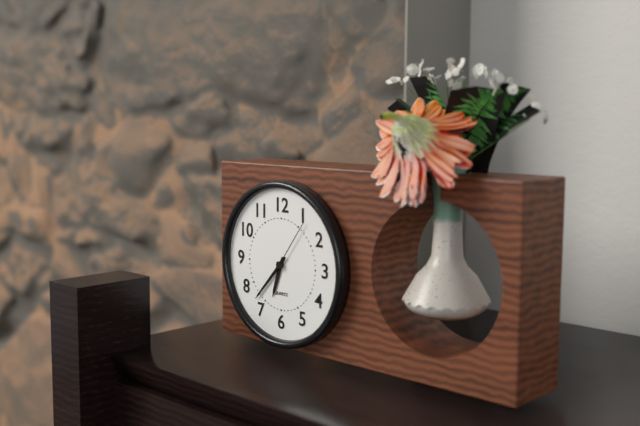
6:37:06
